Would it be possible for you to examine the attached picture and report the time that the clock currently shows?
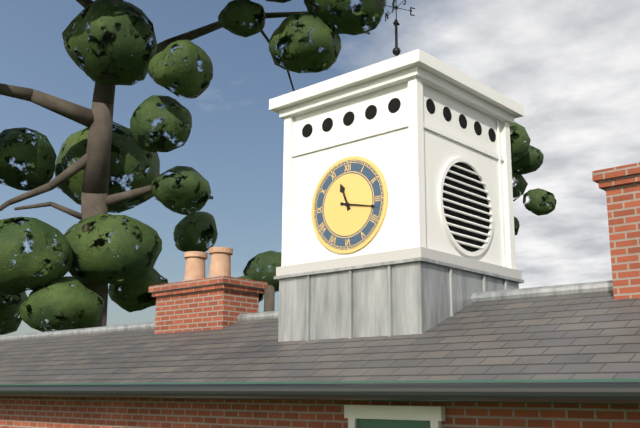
11:17
